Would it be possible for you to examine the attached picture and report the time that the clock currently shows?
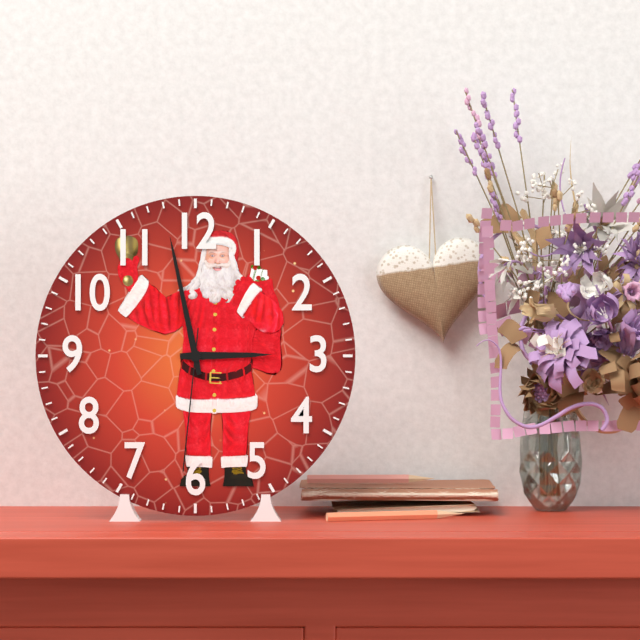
2:58:31
